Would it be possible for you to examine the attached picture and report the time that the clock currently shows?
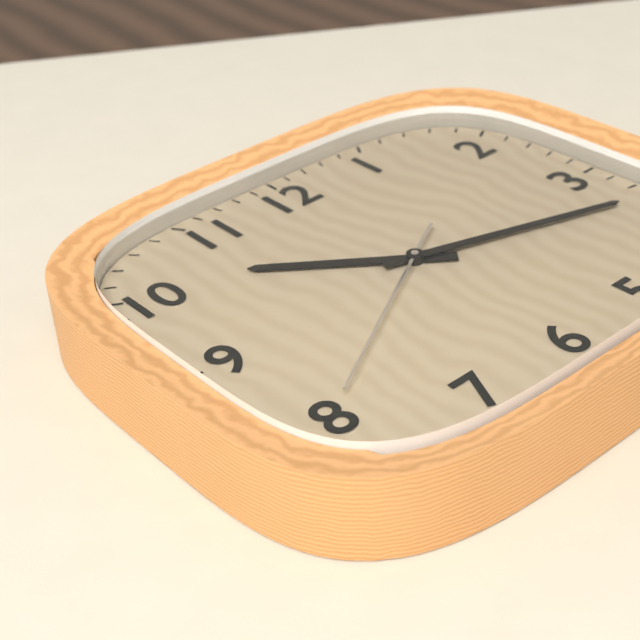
10:18:40
